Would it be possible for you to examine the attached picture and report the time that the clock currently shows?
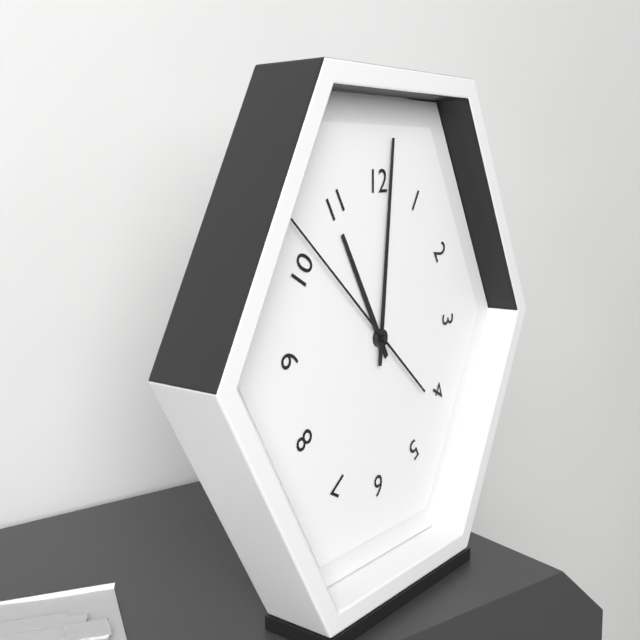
11:01:52
